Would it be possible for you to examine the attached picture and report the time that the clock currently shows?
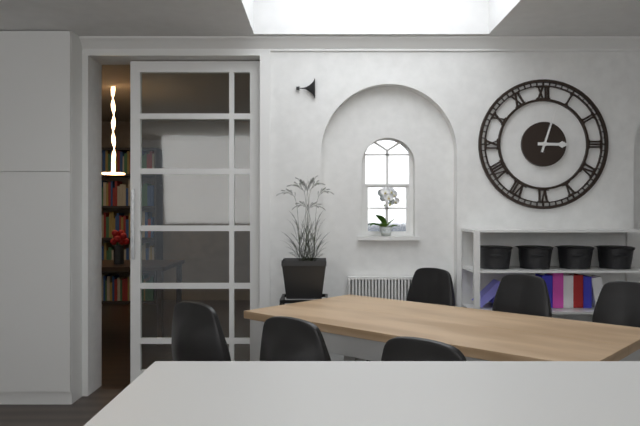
3:03
